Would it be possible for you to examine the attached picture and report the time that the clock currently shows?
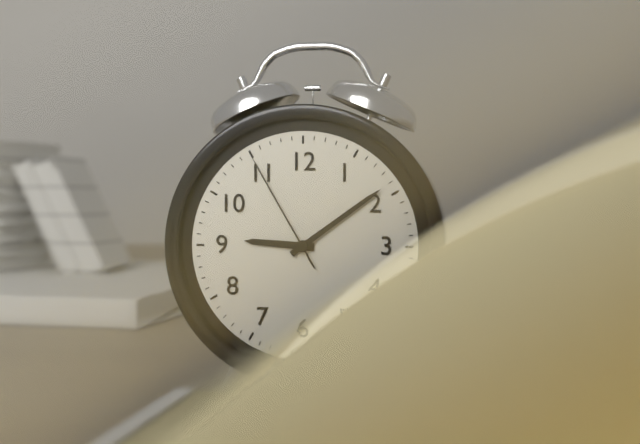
9:09:55
